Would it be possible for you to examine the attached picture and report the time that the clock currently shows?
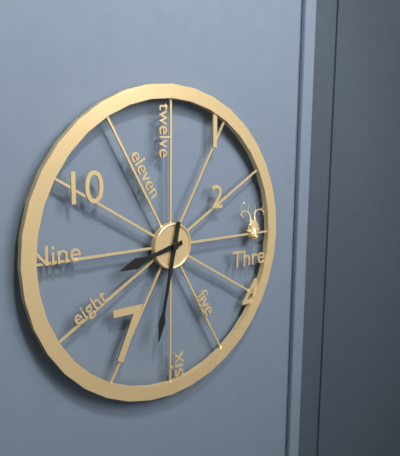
8:32
